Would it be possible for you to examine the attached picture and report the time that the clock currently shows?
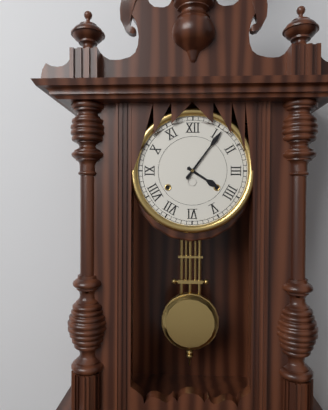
4:06
